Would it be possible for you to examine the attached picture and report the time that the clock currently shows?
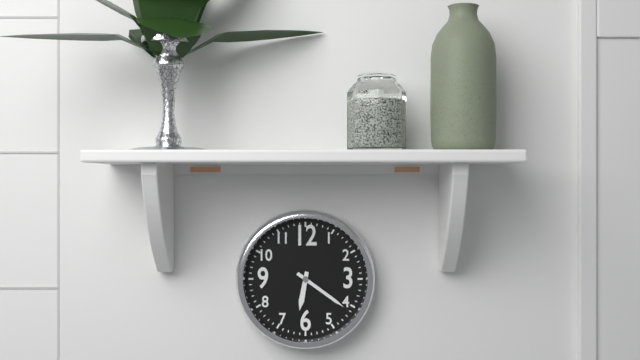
6:21
